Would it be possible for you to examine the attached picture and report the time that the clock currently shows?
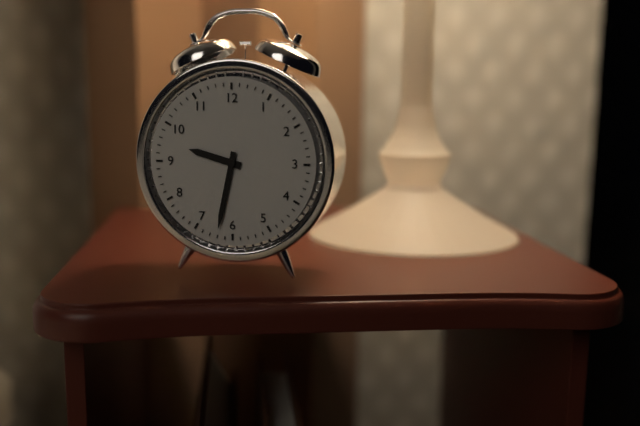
9:32
